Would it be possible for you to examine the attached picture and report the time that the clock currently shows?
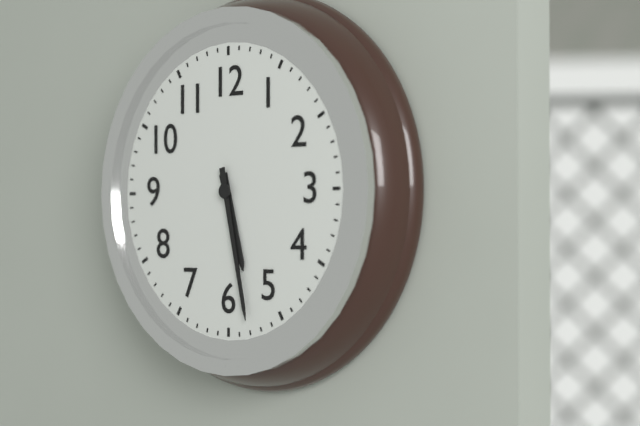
5:28
